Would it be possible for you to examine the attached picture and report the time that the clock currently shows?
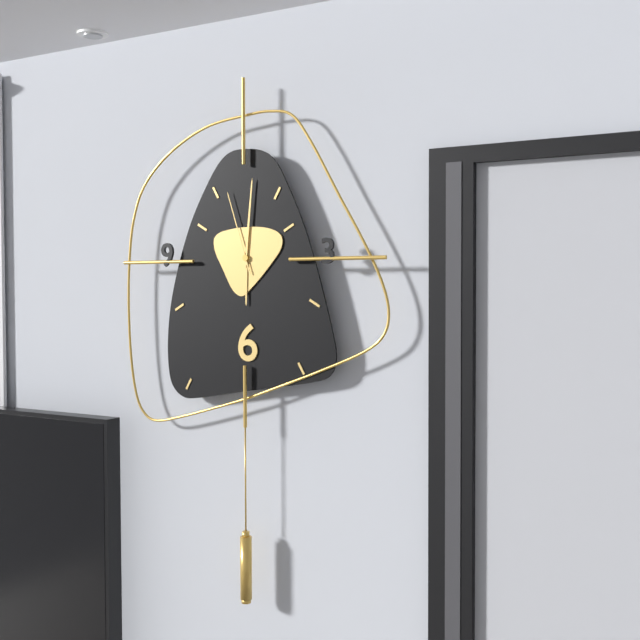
6:01:57
